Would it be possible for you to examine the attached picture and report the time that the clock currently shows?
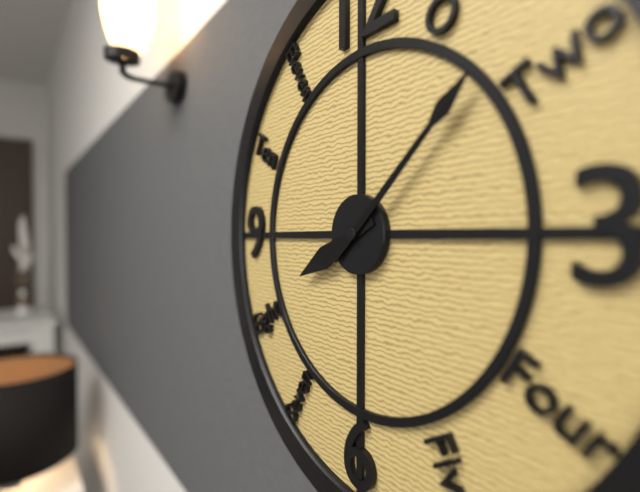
8:08
